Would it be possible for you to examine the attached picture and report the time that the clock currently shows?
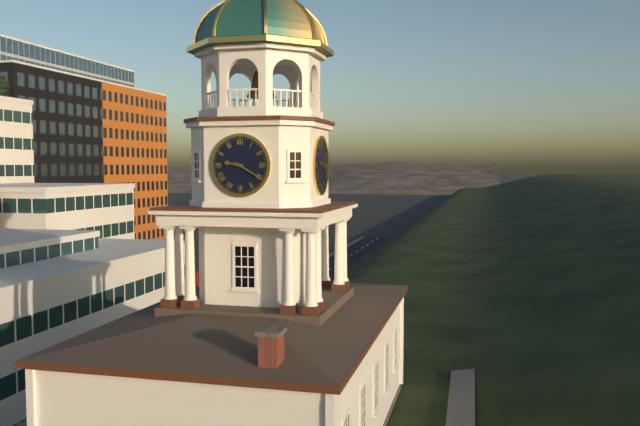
9:20
